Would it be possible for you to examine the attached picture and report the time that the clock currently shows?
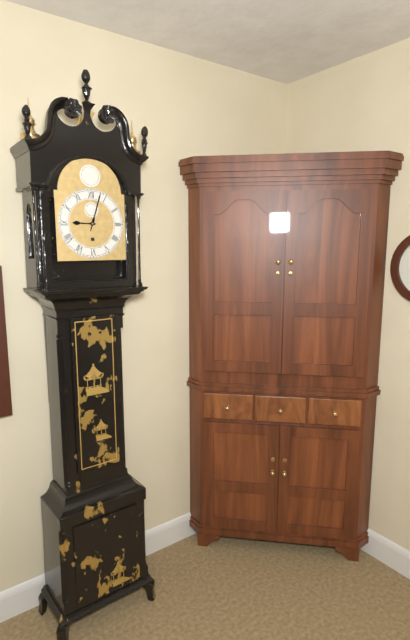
9:03
